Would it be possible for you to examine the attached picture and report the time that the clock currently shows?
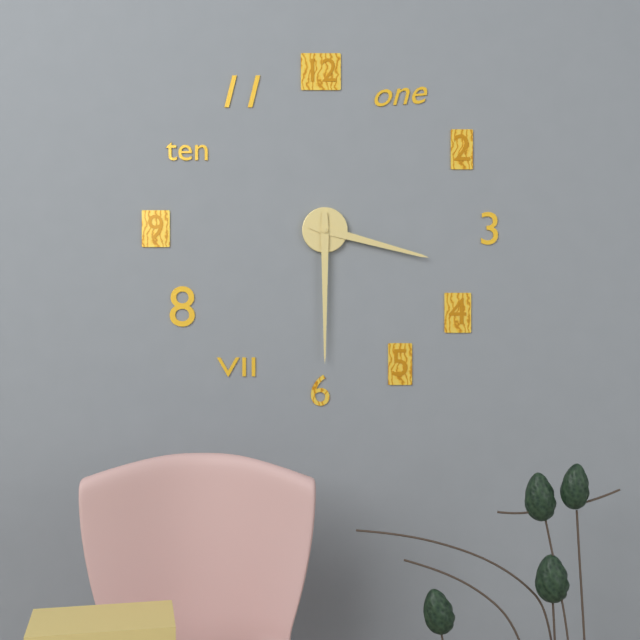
3:30
